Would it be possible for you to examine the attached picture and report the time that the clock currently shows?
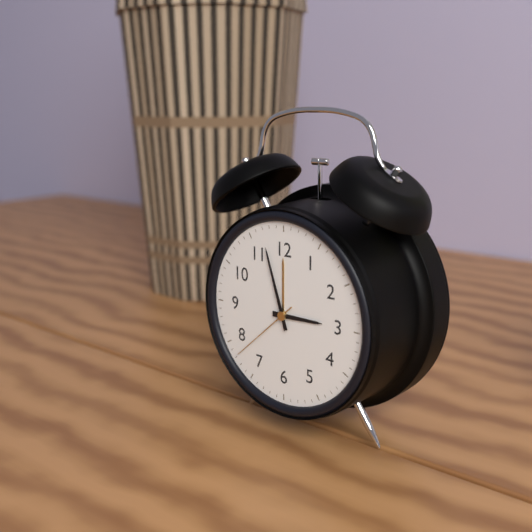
2:57:38
